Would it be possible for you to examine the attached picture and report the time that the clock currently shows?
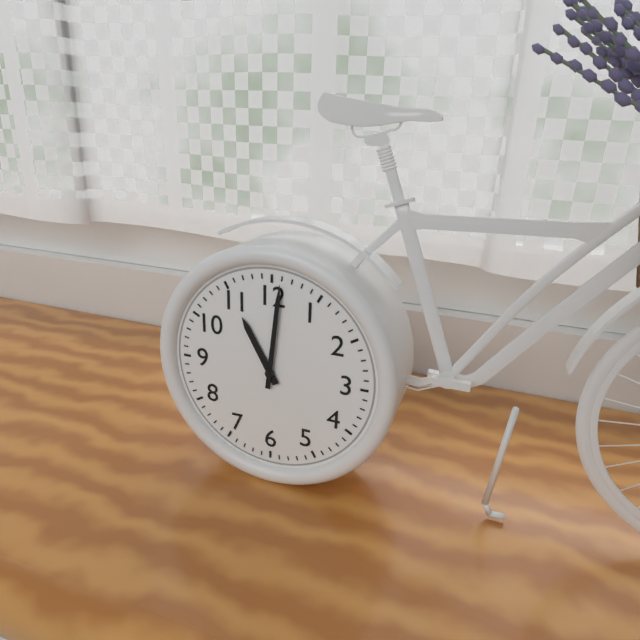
11:01
